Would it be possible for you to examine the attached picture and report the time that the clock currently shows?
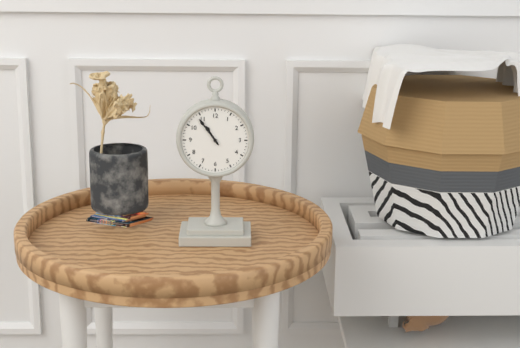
10:54
